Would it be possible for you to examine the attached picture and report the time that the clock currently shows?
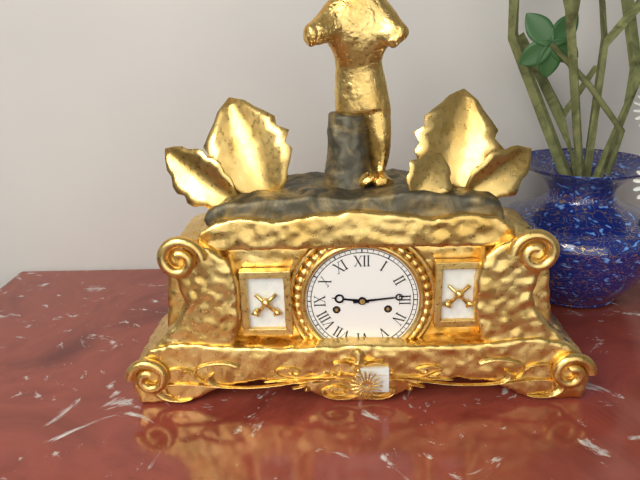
9:14
